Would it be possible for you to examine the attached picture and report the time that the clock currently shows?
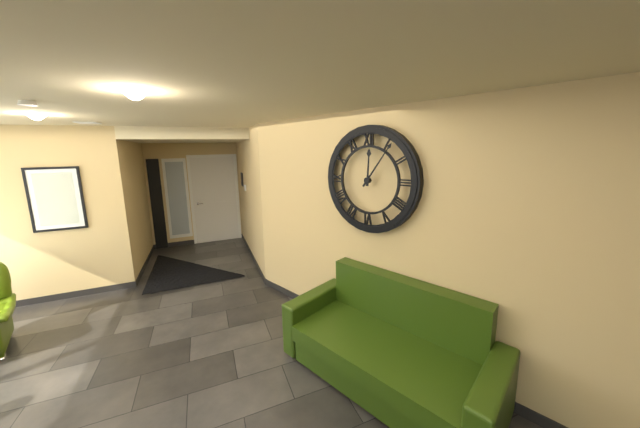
12:06
